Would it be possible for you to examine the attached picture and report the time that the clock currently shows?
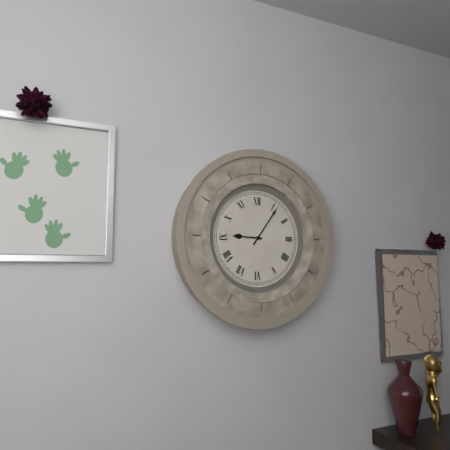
9:06
